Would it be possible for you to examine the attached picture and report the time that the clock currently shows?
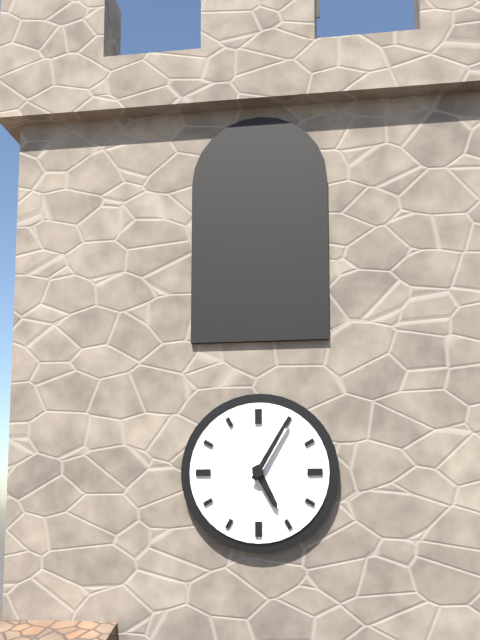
5:05
